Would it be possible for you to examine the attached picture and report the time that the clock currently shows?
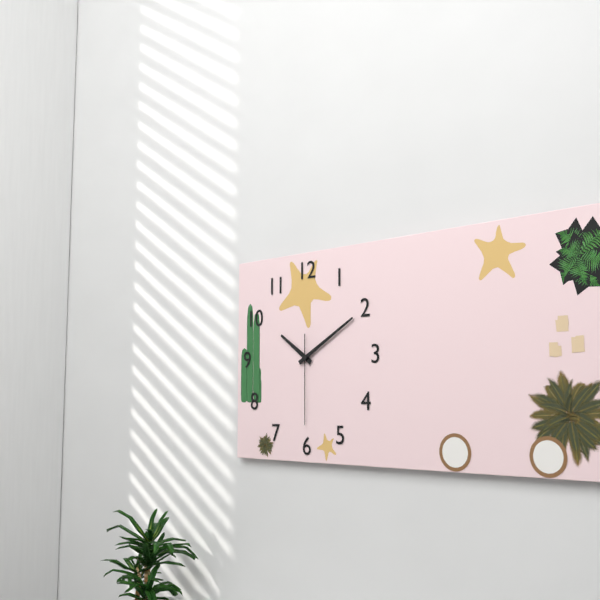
10:10:30
